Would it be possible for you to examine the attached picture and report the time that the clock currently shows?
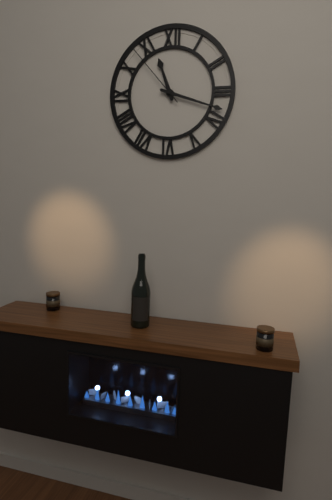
11:18:53
